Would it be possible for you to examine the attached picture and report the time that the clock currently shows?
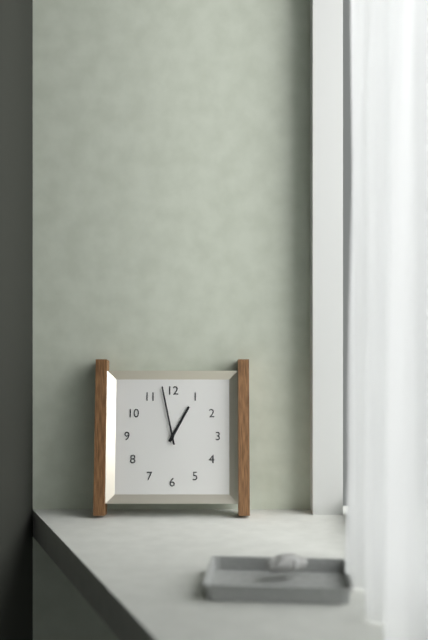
12:58
